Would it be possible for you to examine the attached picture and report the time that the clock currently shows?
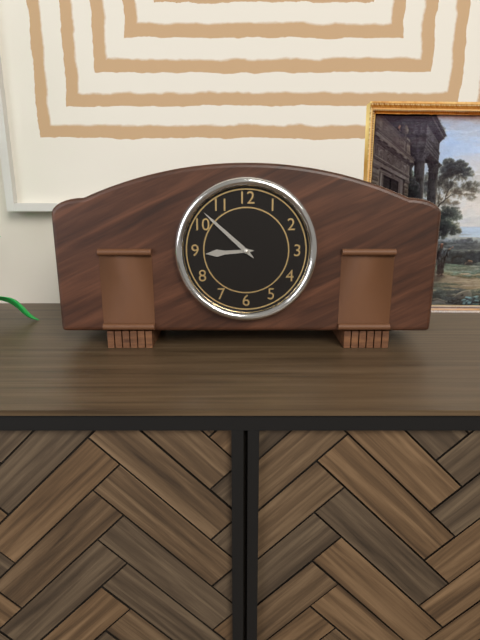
8:52
